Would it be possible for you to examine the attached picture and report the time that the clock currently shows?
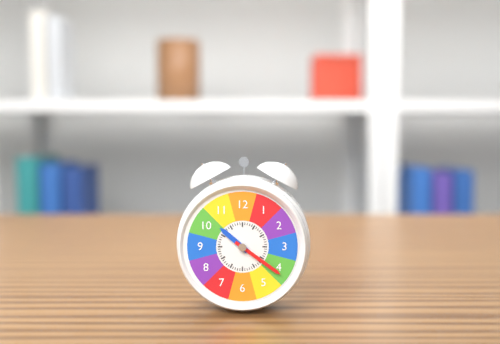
10:21
